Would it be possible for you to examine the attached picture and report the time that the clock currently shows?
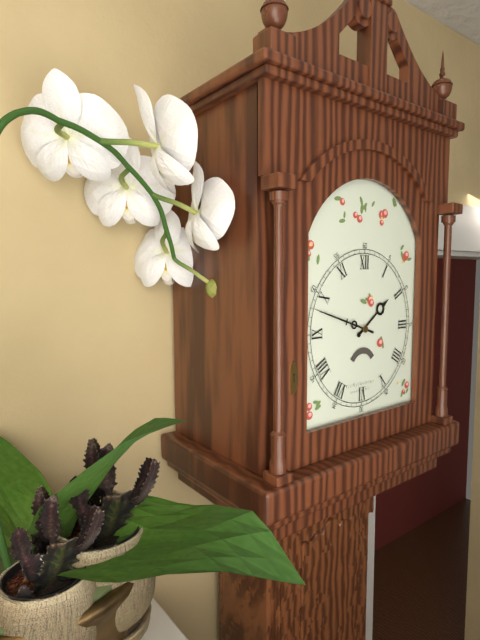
1:48
